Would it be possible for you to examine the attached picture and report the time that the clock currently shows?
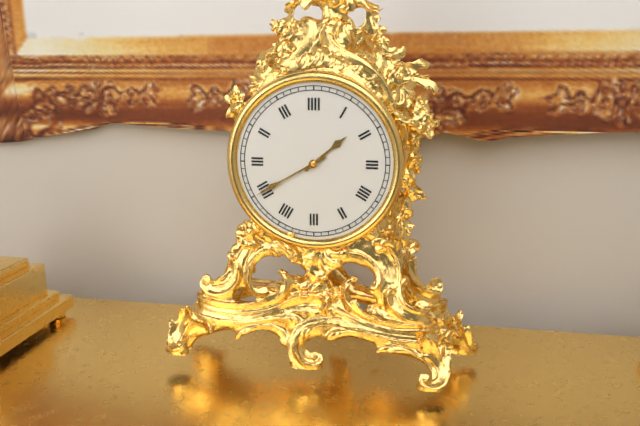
1:40
